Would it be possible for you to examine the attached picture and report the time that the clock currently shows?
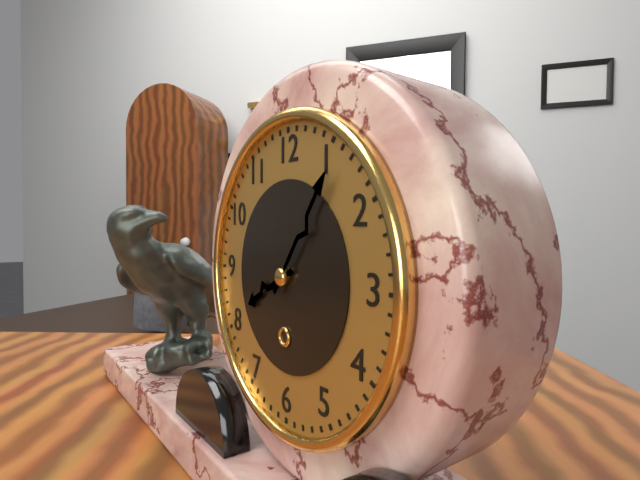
8:06
